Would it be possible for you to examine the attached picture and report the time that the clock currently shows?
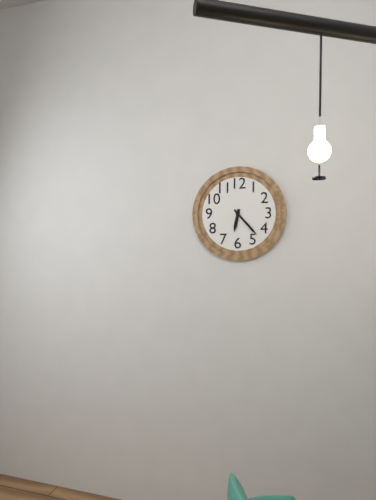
6:23
